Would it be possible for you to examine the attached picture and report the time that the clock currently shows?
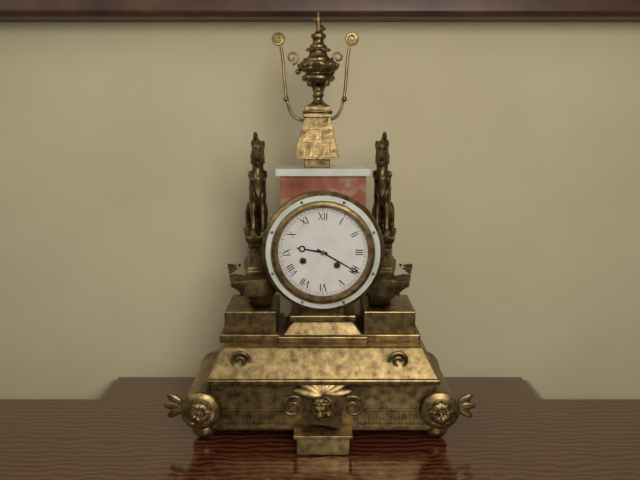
9:20
